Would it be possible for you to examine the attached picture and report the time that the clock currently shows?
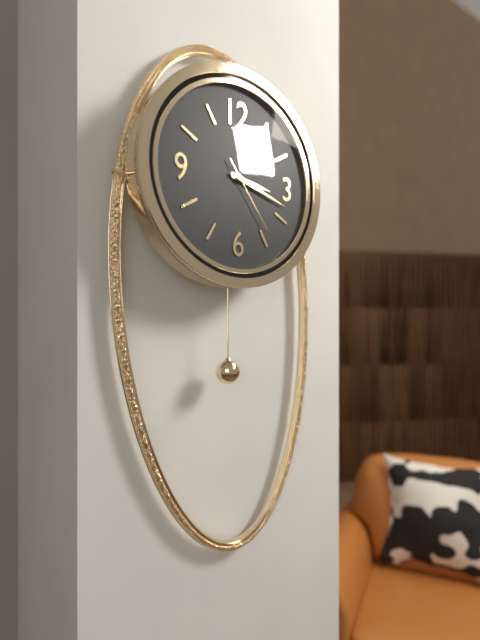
3:18:24
